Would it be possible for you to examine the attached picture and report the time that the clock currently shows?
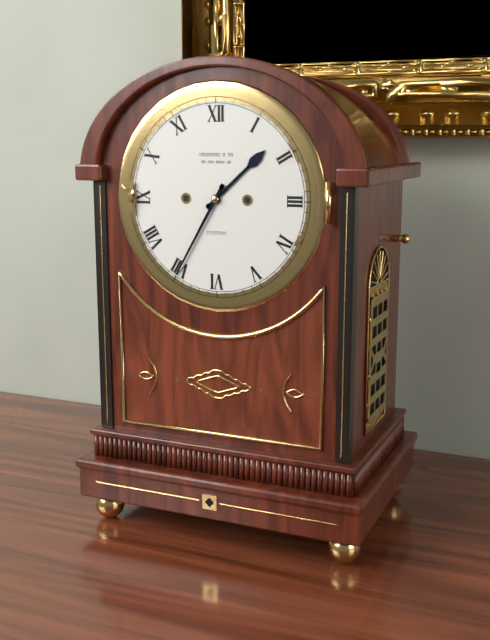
1:35
